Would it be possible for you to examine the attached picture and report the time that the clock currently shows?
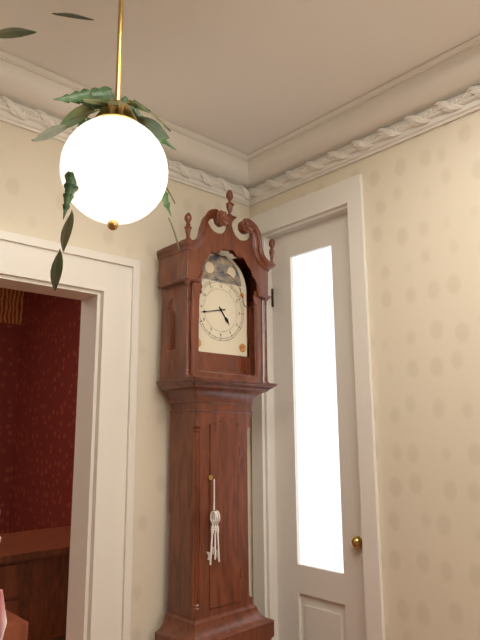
4:43
